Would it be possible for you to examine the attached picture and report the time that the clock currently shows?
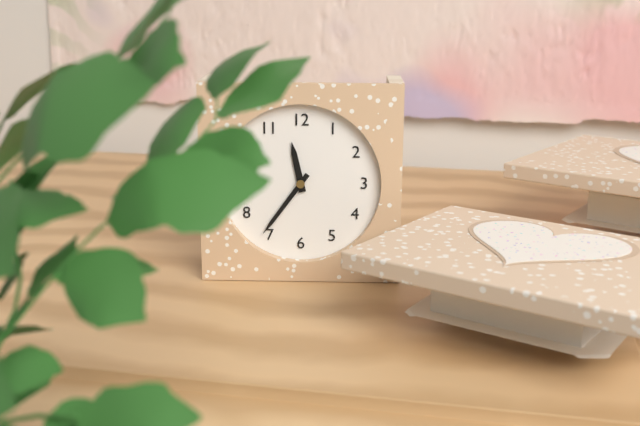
11:36
